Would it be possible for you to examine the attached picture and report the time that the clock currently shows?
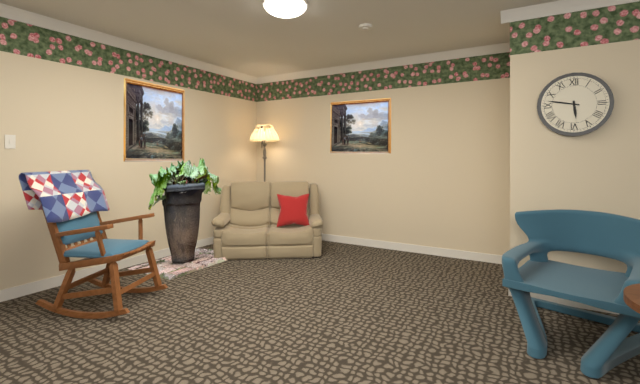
5:47
